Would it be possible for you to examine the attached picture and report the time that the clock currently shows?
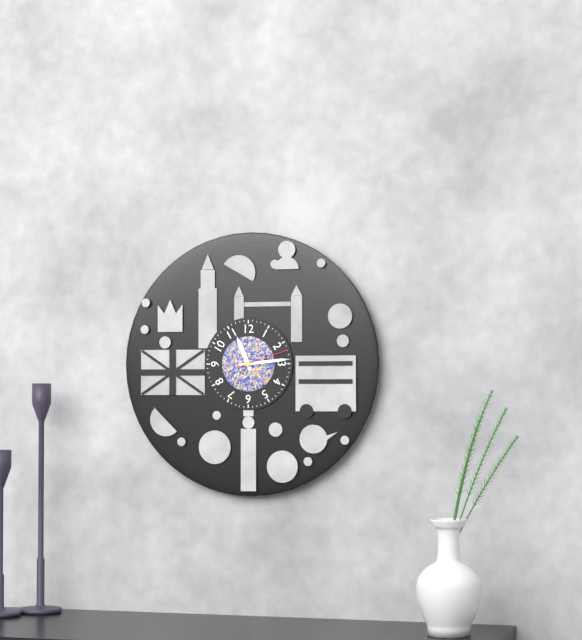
11:14:12
